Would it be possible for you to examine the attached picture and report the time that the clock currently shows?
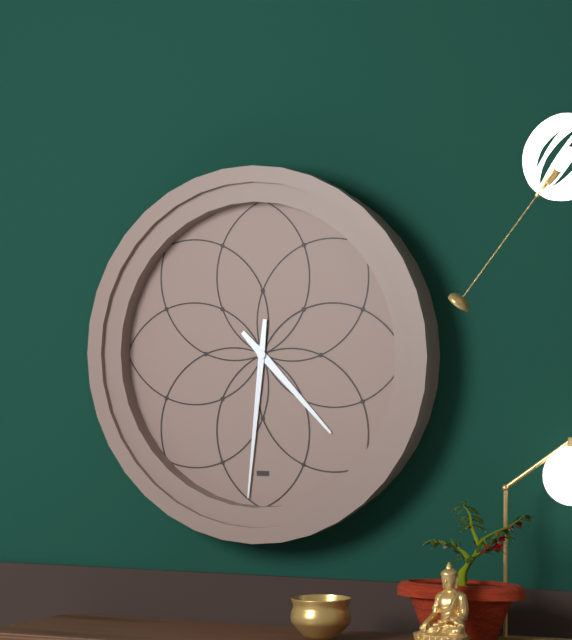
4:31
